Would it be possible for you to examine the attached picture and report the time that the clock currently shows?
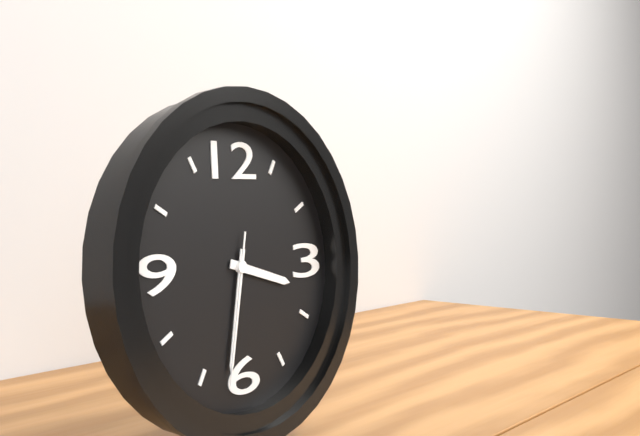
3:32:32
